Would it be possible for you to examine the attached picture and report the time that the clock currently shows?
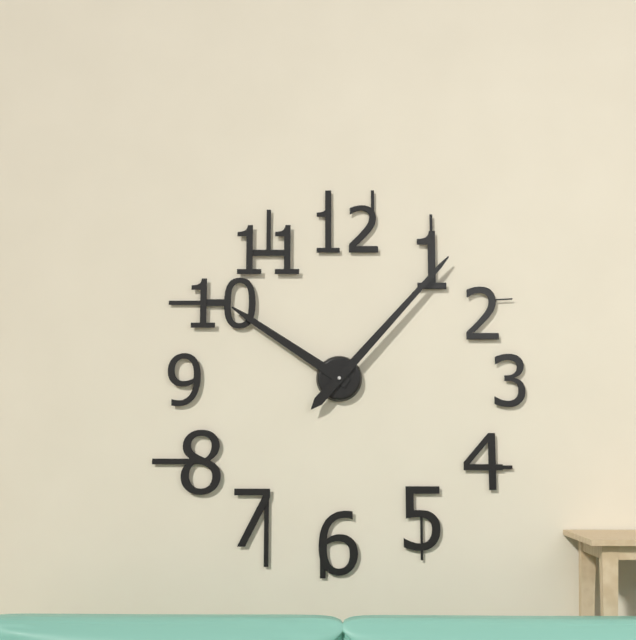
10:07
